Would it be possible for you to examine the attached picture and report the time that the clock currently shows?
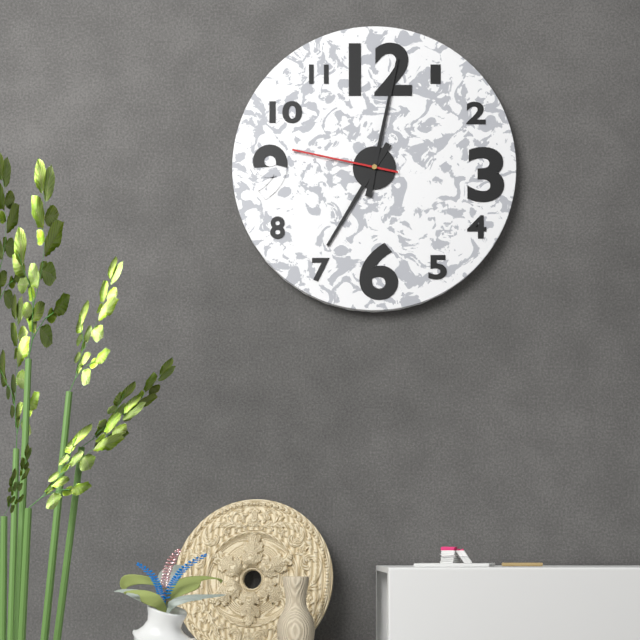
7:02:47
